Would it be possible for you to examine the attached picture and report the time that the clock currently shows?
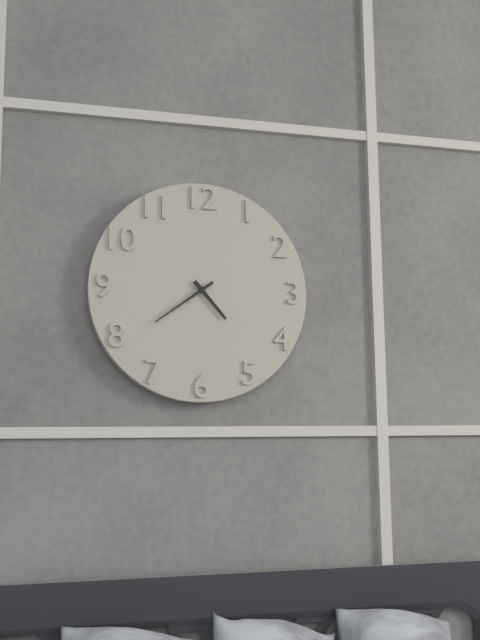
4:39
